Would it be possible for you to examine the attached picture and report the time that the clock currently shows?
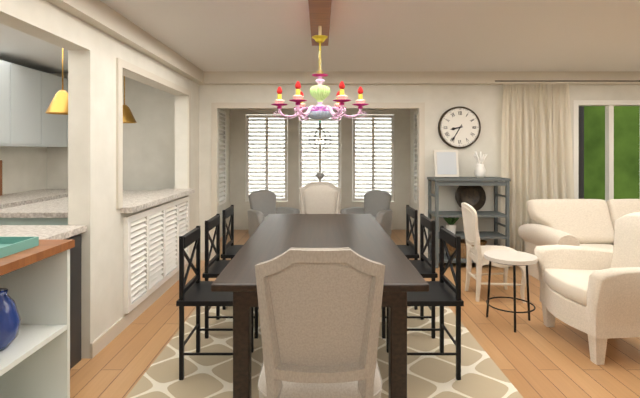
8:35
